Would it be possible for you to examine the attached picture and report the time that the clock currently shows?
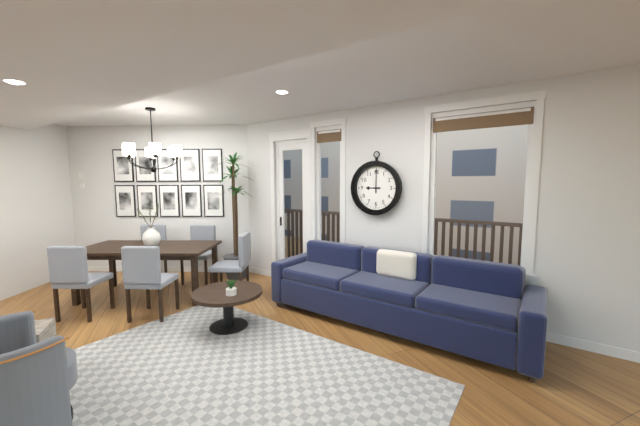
9:00
